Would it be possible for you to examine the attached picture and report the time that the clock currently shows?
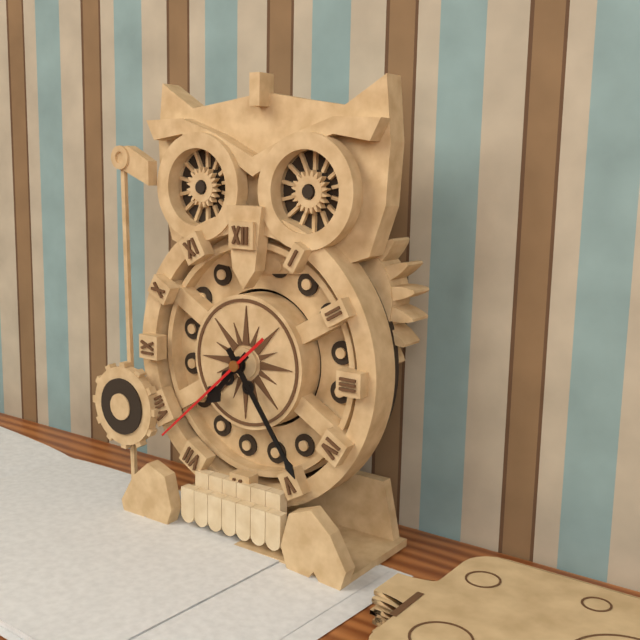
7:24:38
